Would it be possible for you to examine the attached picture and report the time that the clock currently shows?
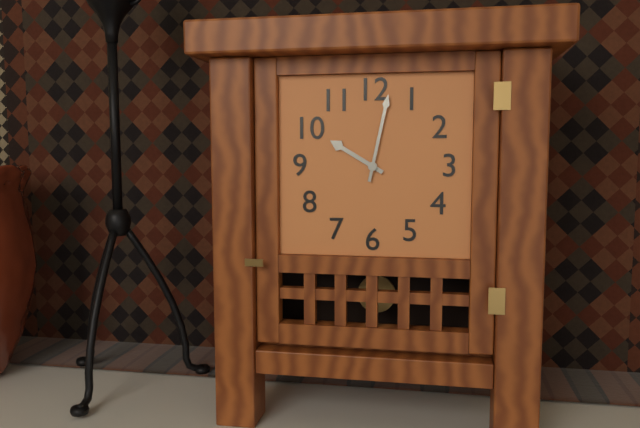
10:02
